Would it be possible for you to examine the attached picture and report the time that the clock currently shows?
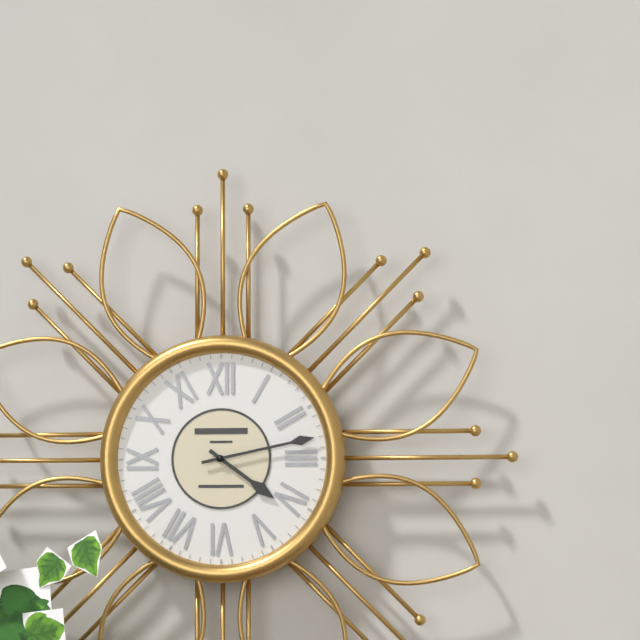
4:13
